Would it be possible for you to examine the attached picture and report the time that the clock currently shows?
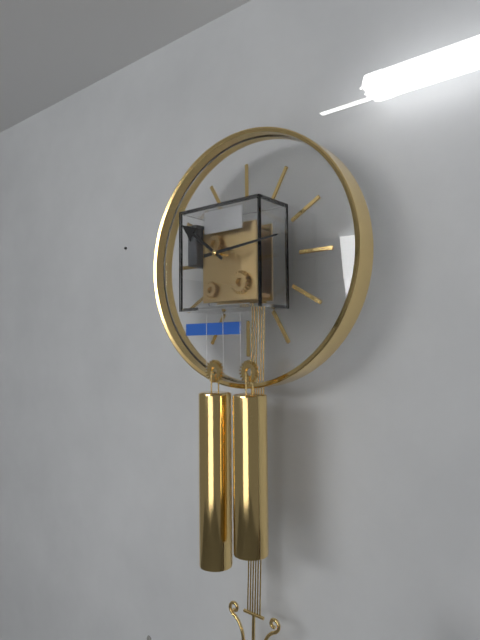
10:14
